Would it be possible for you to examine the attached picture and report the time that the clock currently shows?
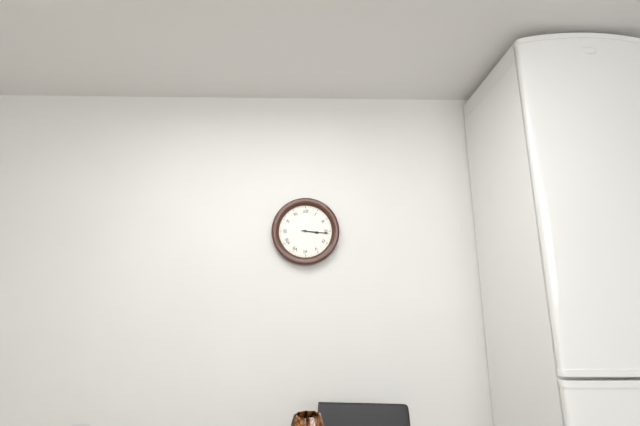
3:16
